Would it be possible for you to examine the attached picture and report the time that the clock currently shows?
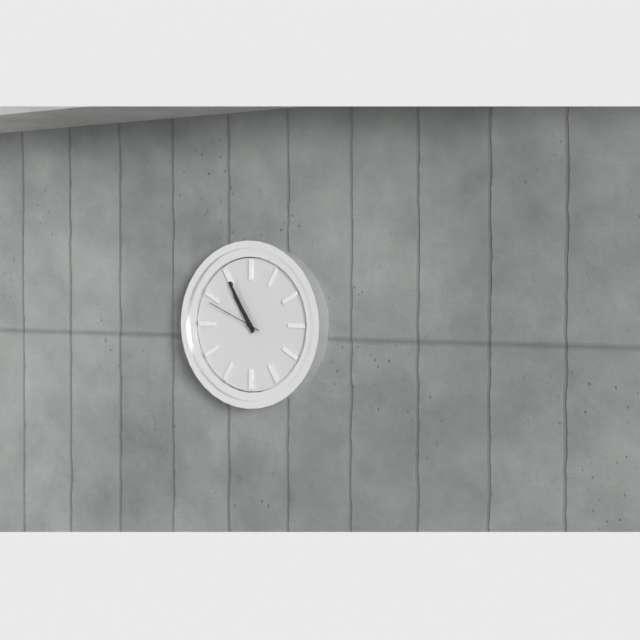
10:55:49
